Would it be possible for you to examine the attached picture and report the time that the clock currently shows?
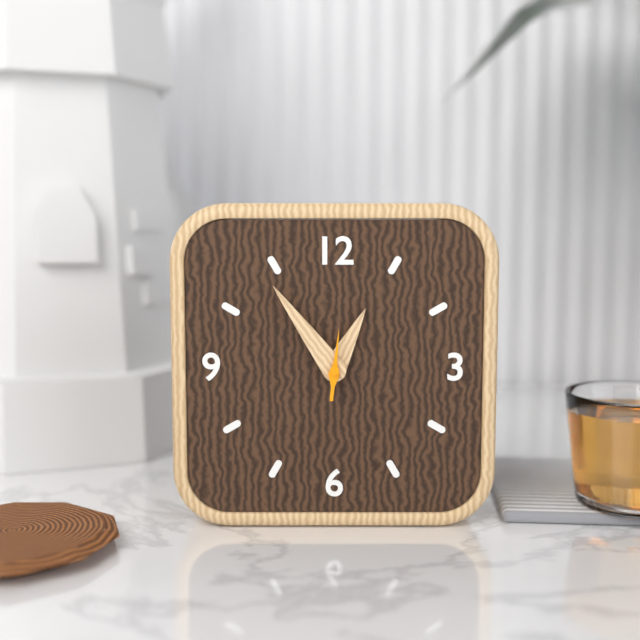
12:54:01
